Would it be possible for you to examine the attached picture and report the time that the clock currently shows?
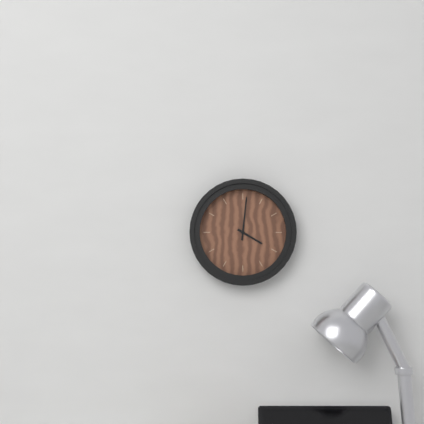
4:01
